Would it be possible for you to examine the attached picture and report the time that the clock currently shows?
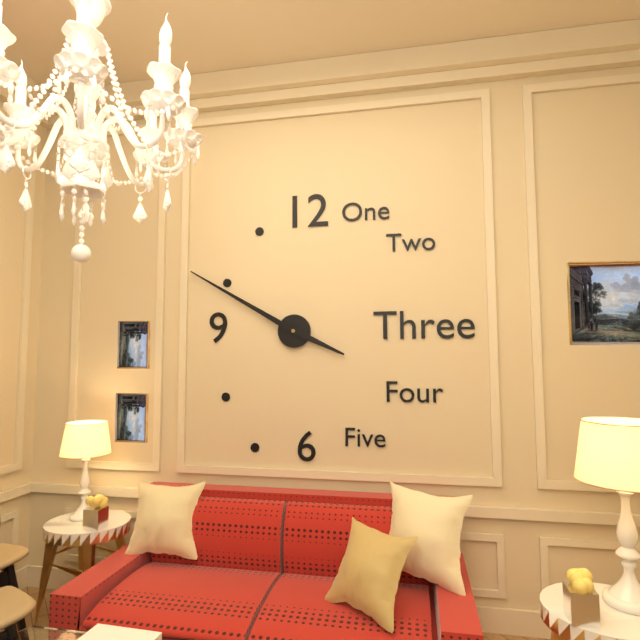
3:50
